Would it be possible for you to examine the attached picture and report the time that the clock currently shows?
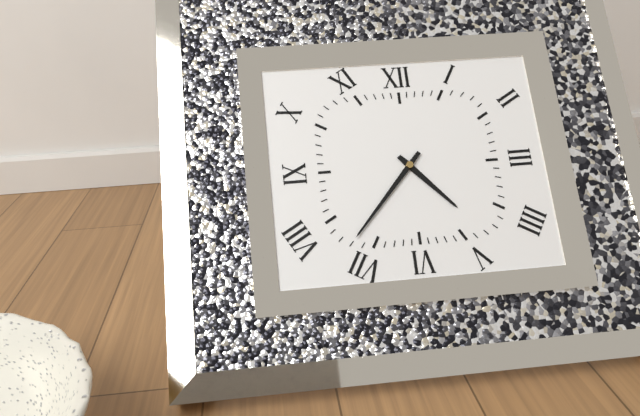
4:37
